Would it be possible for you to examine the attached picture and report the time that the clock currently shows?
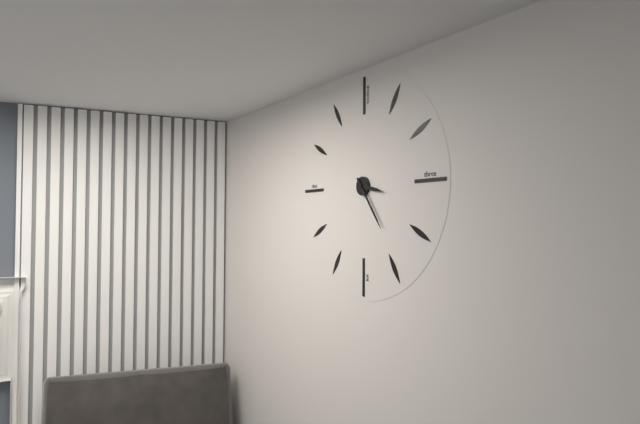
3:24
